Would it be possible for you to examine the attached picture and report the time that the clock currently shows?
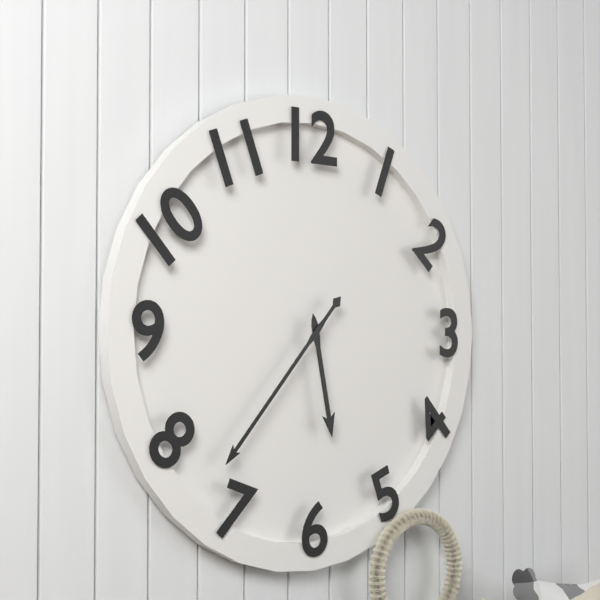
5:37
